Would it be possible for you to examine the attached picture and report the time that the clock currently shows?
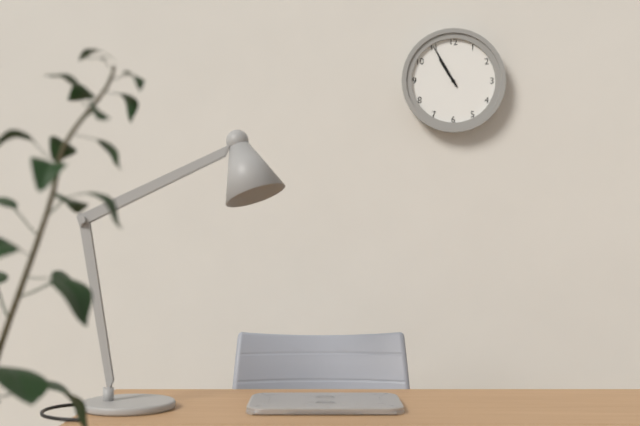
10:55
